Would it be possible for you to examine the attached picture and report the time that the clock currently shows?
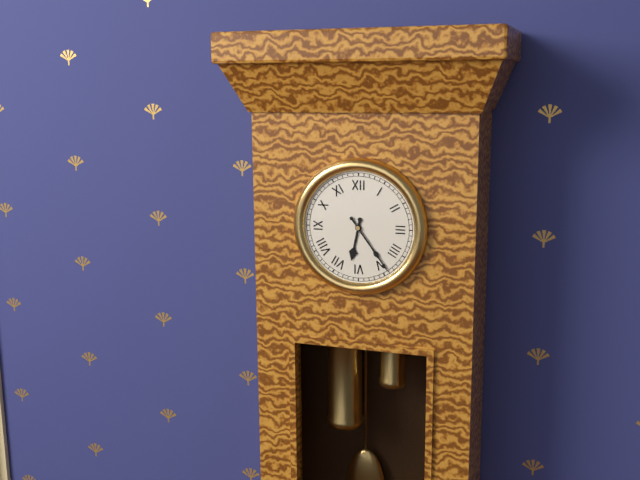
6:24
